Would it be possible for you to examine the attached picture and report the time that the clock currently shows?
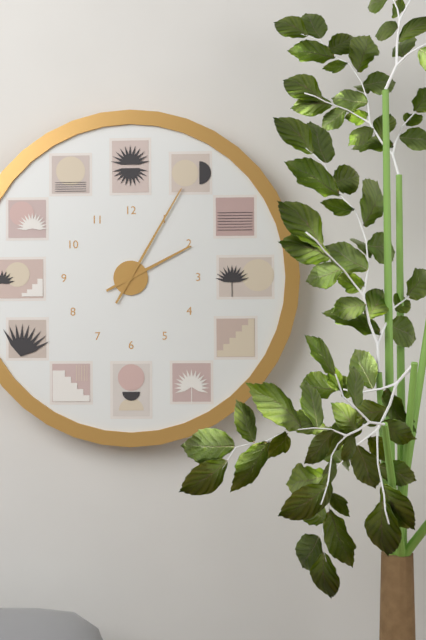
2:05
